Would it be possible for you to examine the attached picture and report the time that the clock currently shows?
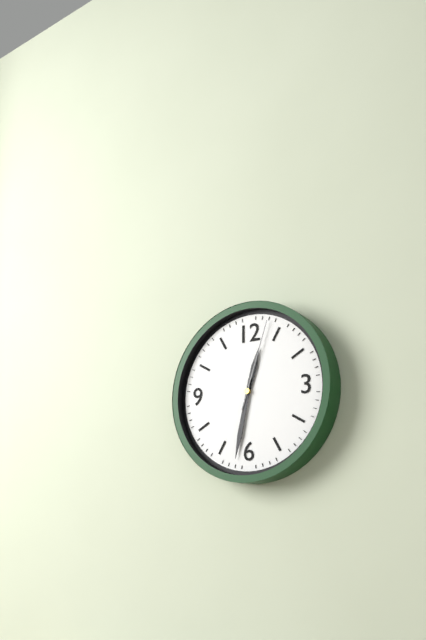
12:32:03
